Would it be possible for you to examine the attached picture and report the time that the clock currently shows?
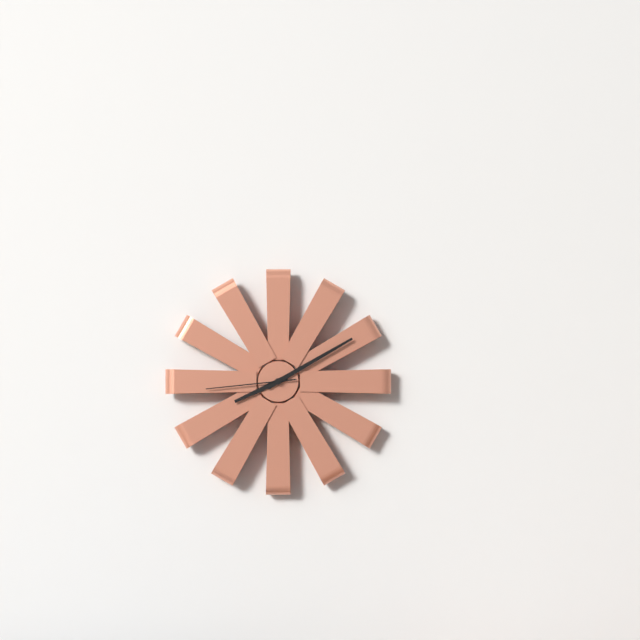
8:10:44
